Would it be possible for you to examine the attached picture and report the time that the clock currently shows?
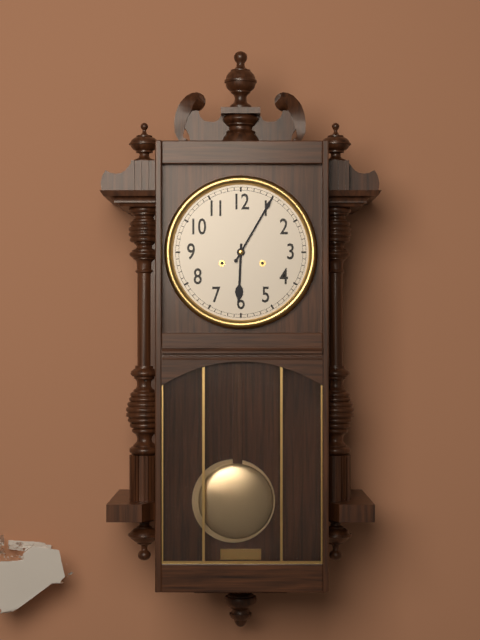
6:05
